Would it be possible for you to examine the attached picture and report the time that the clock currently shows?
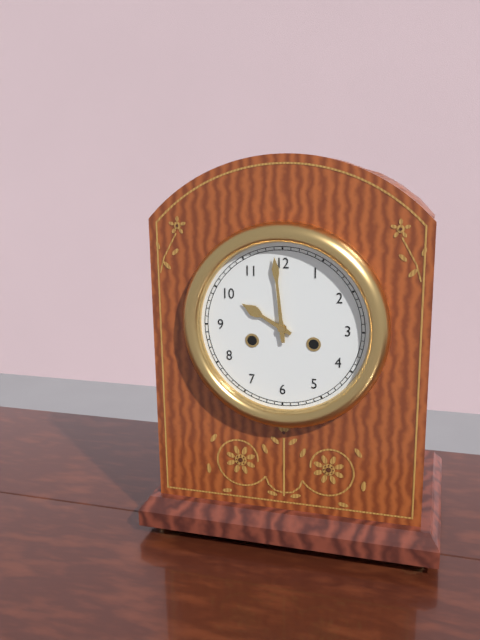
9:59
